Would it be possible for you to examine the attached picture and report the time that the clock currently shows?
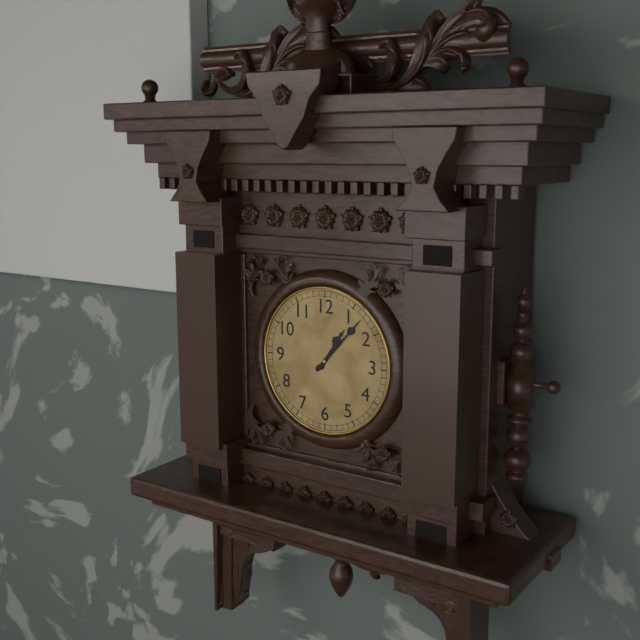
1:07
